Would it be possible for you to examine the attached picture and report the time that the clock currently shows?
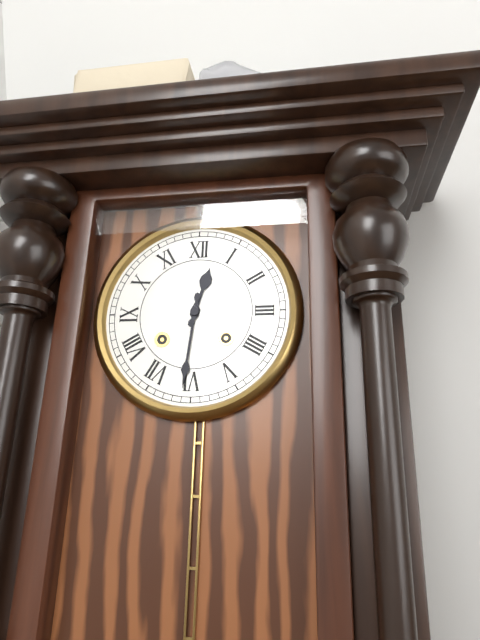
12:31
